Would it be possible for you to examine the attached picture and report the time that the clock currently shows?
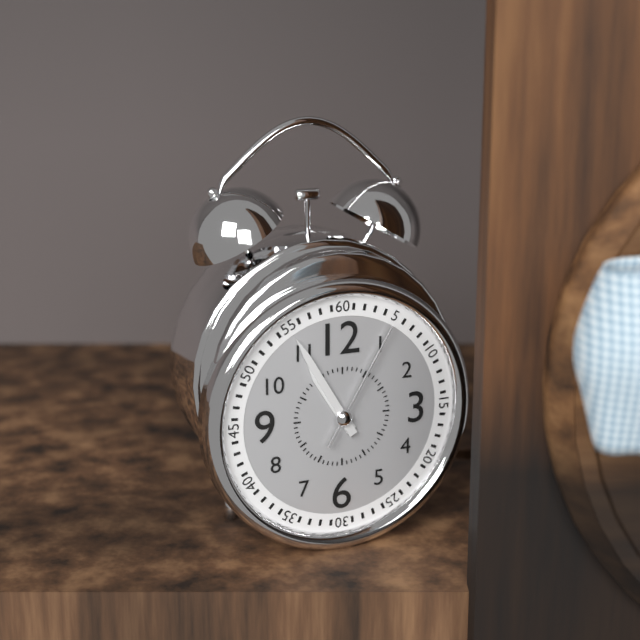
10:55:05
